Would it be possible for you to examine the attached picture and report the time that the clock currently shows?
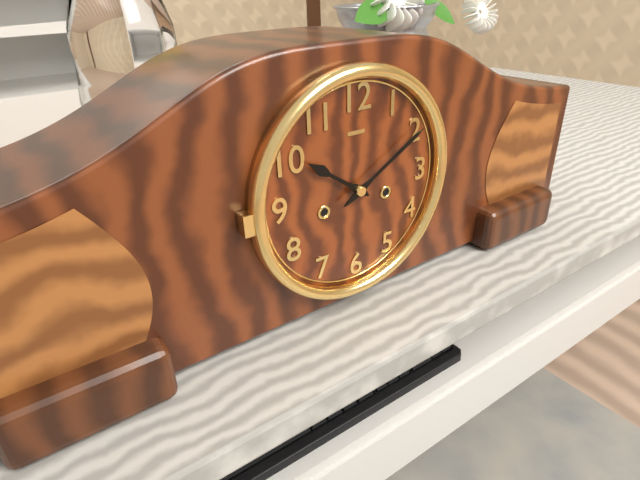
10:10
